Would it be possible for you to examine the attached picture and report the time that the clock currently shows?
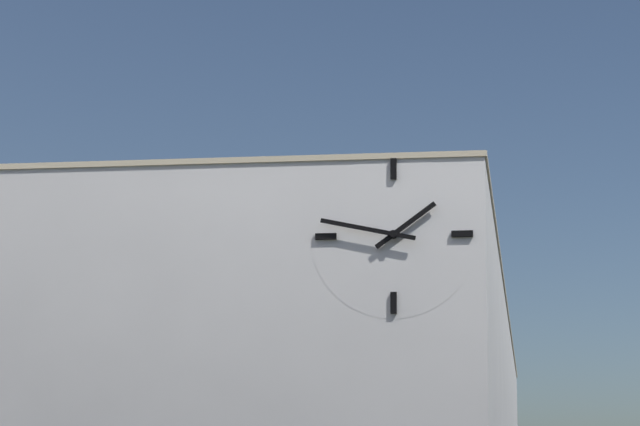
1:47
